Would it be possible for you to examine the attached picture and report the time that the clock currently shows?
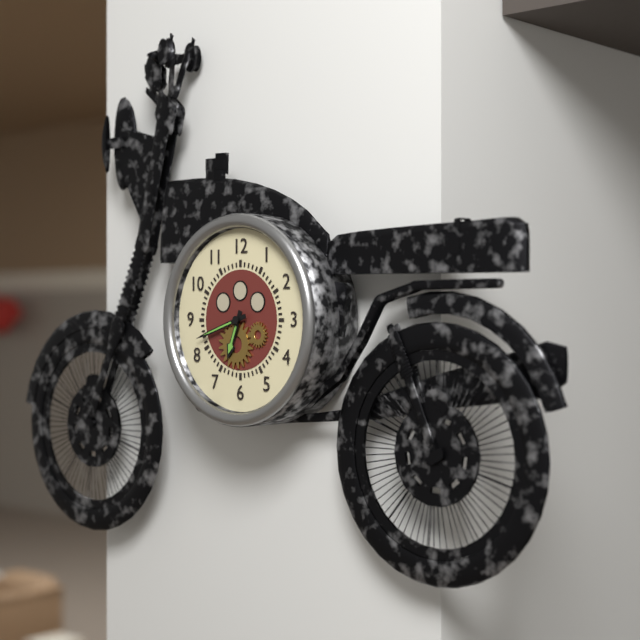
6:42
